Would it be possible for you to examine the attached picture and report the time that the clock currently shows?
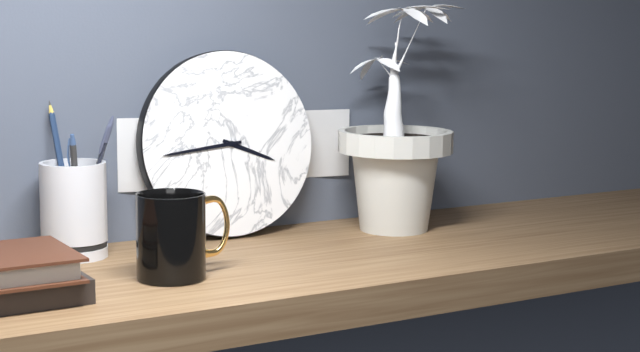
3:44
